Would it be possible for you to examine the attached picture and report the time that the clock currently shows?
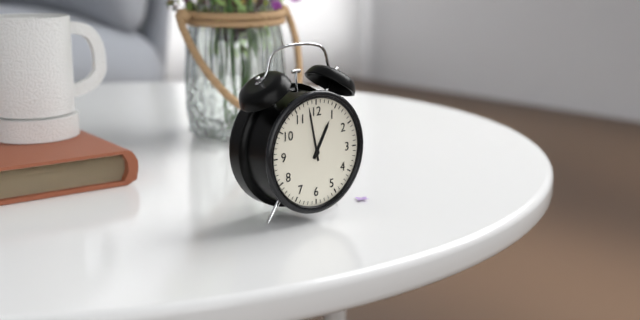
12:58
